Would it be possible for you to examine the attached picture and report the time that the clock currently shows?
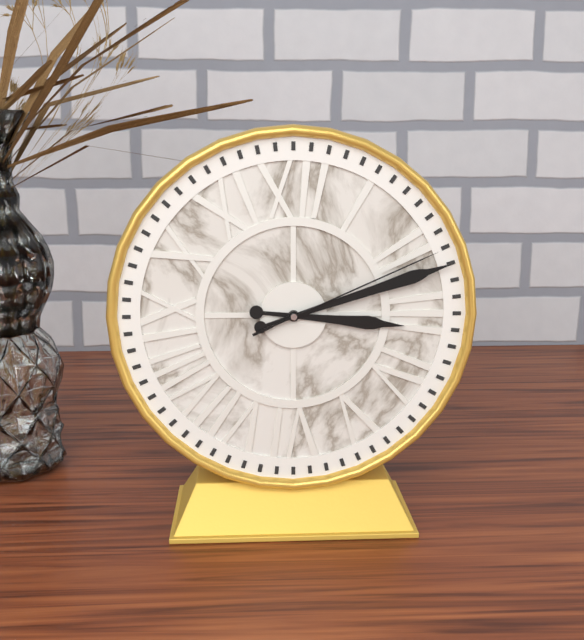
3:12:11
